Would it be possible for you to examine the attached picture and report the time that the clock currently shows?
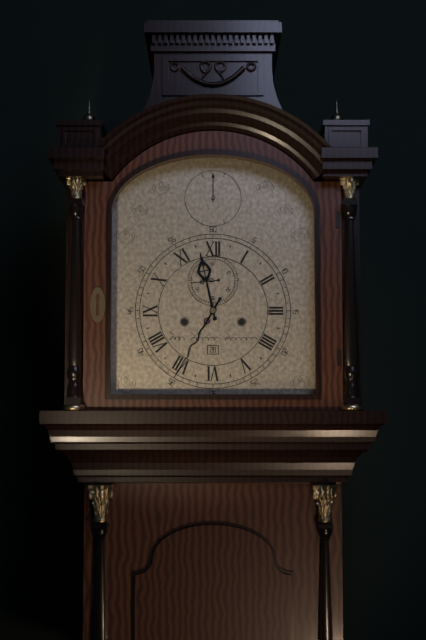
11:35
